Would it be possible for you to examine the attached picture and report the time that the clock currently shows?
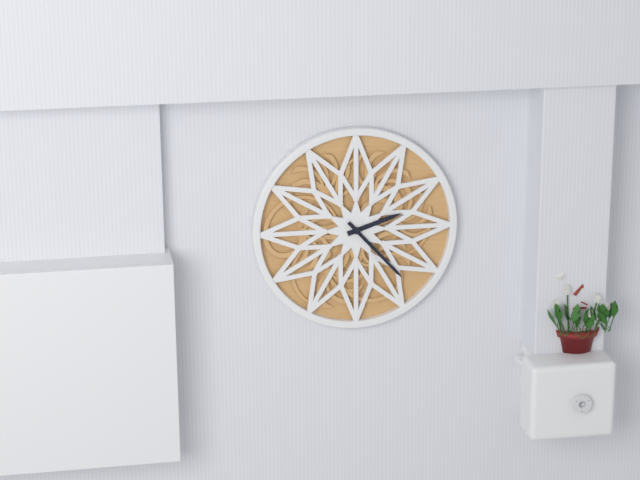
2:23
